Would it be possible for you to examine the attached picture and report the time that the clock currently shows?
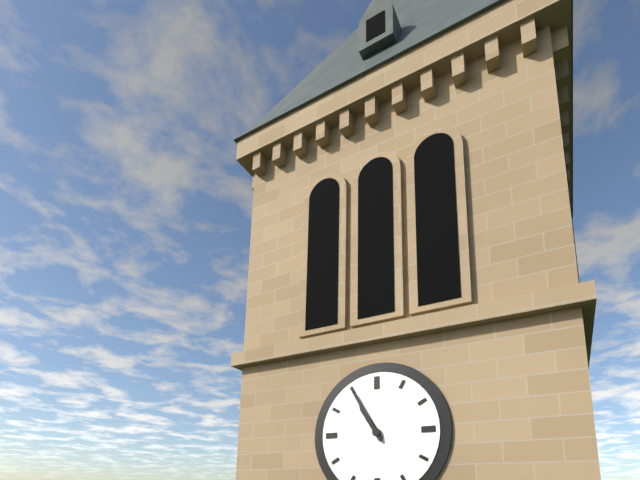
10:55
